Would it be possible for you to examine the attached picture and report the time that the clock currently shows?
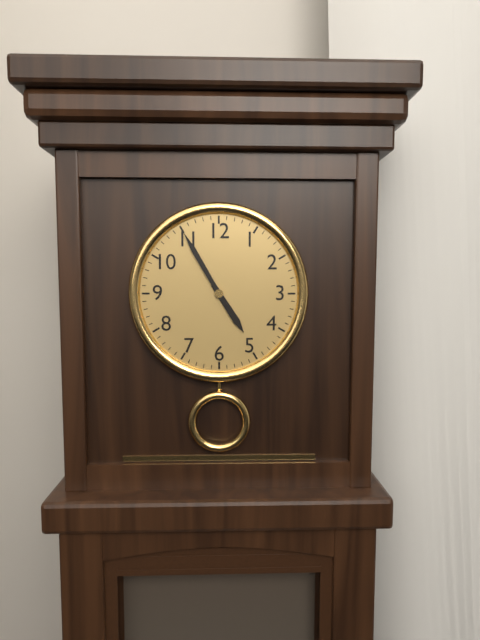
4:55
